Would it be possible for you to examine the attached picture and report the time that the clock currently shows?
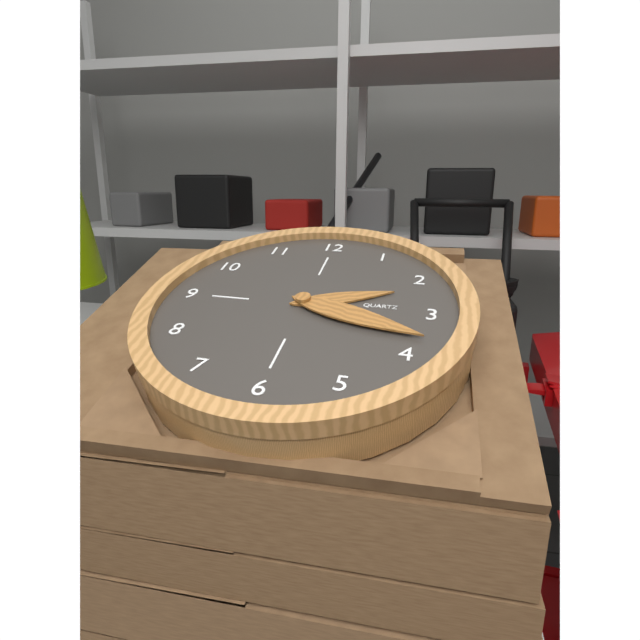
2:18
